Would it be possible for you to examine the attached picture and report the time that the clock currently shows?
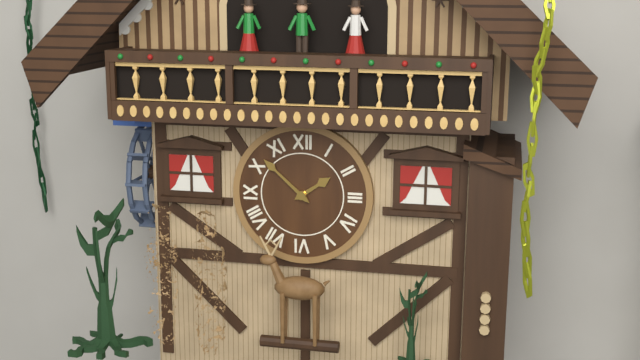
1:52
